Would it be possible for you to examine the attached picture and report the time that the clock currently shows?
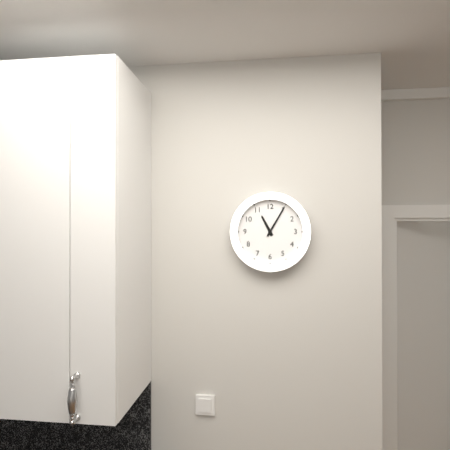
11:05
